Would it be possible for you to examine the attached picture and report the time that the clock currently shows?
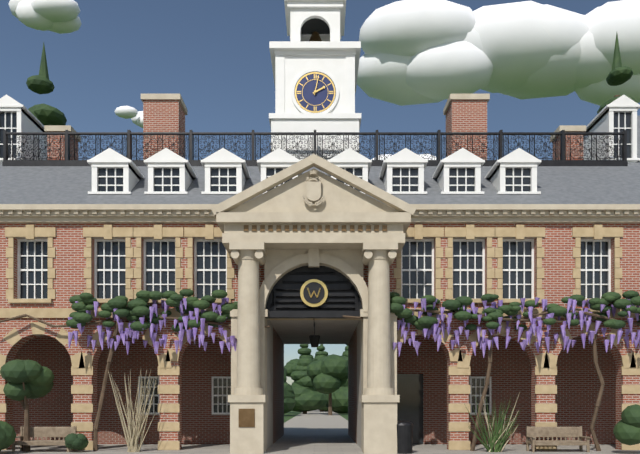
2:02
